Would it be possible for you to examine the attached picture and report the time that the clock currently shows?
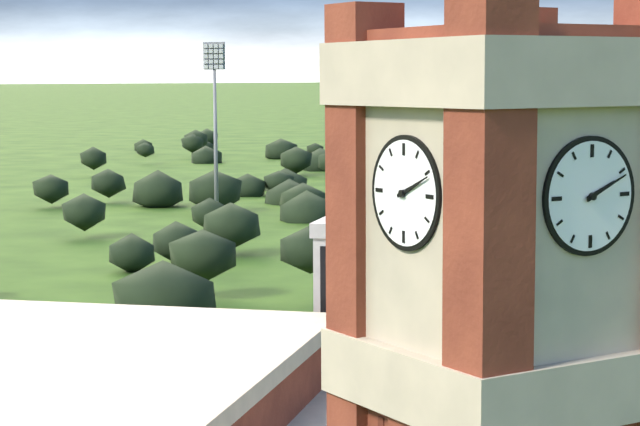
2:11
